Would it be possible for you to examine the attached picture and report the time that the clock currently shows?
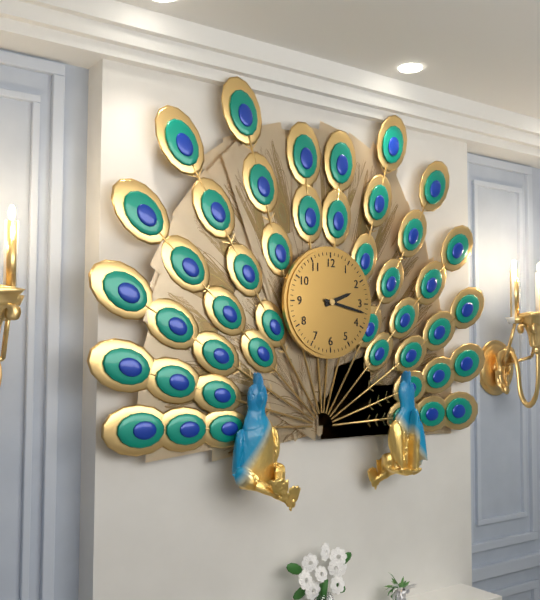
2:17
